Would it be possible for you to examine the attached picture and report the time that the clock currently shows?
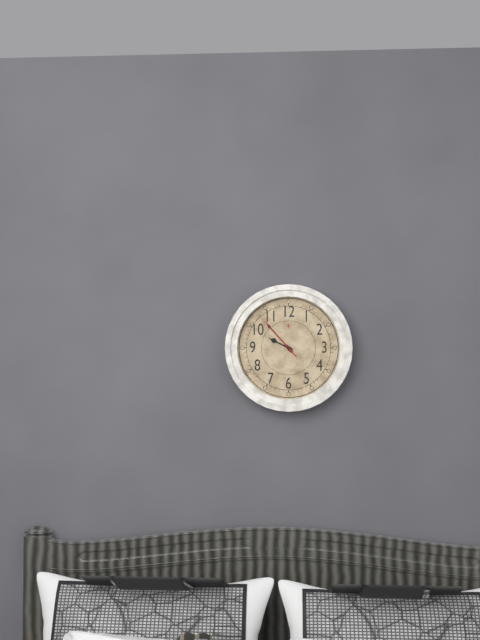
9:53:53
